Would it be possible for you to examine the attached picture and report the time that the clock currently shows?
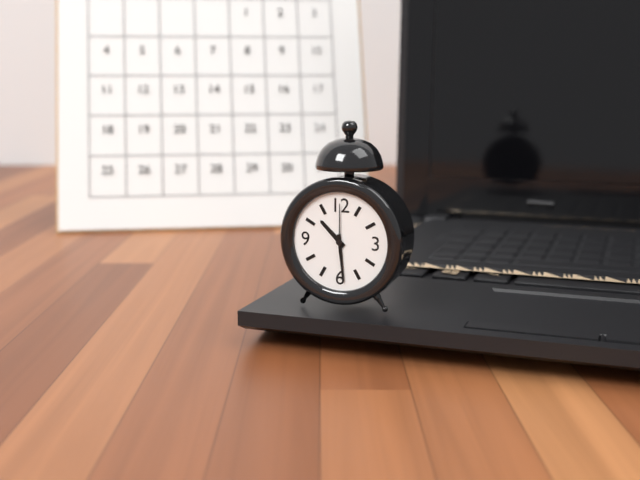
10:29
